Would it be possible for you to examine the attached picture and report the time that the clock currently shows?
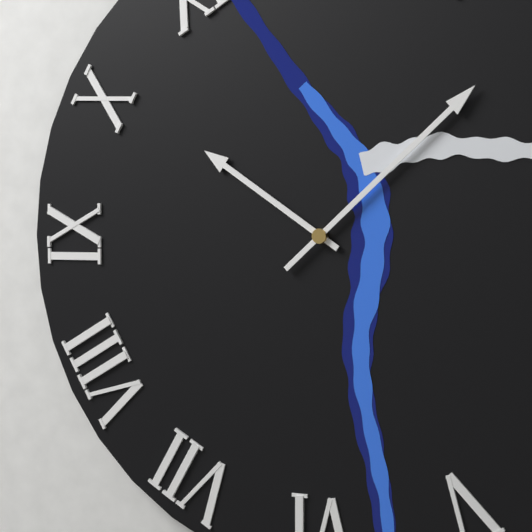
10:08
